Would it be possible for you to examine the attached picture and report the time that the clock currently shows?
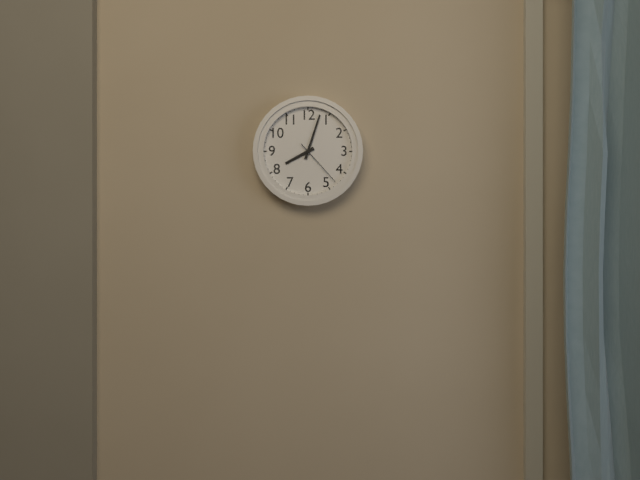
8:03:23
